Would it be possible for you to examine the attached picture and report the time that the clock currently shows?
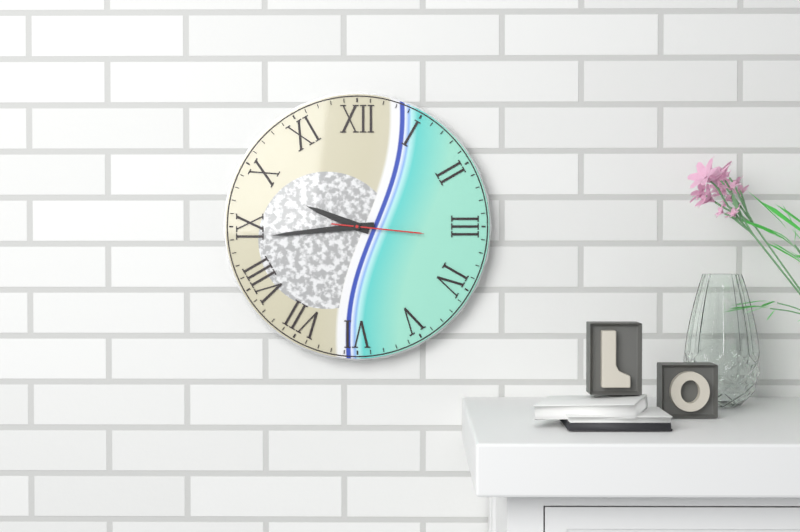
9:44:16
